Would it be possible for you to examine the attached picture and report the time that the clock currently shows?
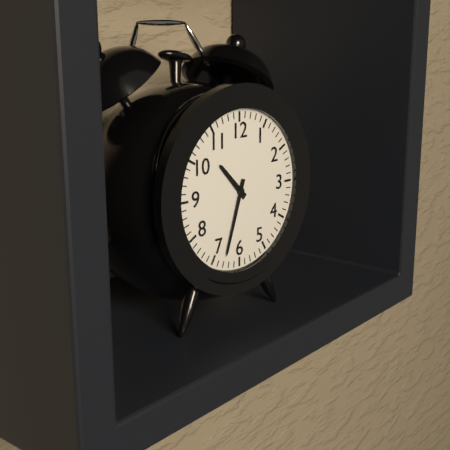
10:33
